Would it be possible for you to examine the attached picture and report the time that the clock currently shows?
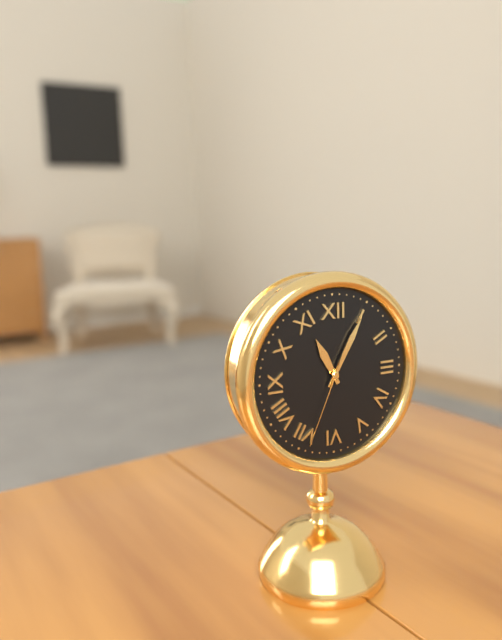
11:05:34
